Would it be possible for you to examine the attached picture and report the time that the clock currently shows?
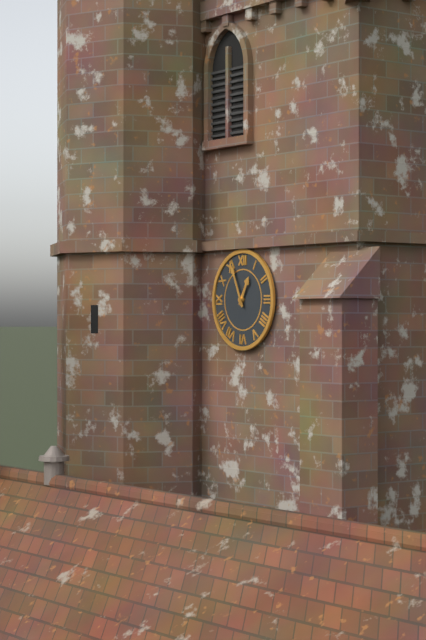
12:56
